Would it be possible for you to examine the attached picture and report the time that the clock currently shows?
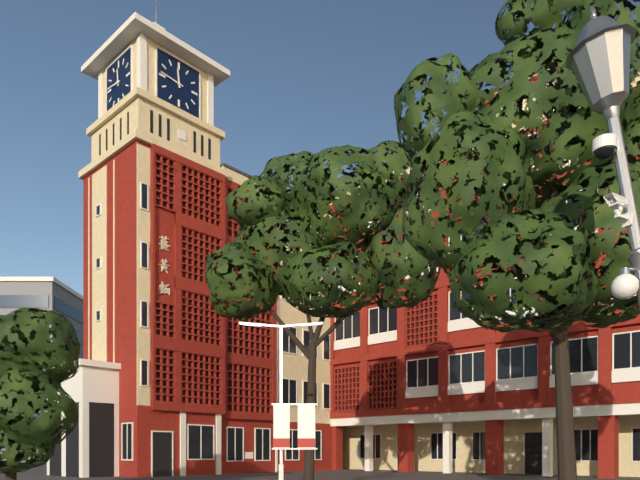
11:46
